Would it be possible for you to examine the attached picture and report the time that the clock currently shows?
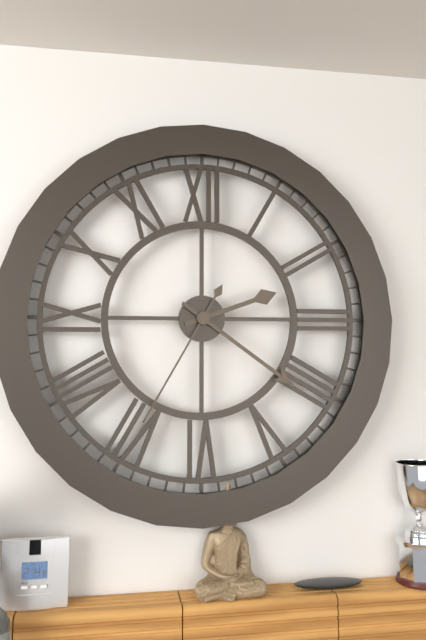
2:21:35
